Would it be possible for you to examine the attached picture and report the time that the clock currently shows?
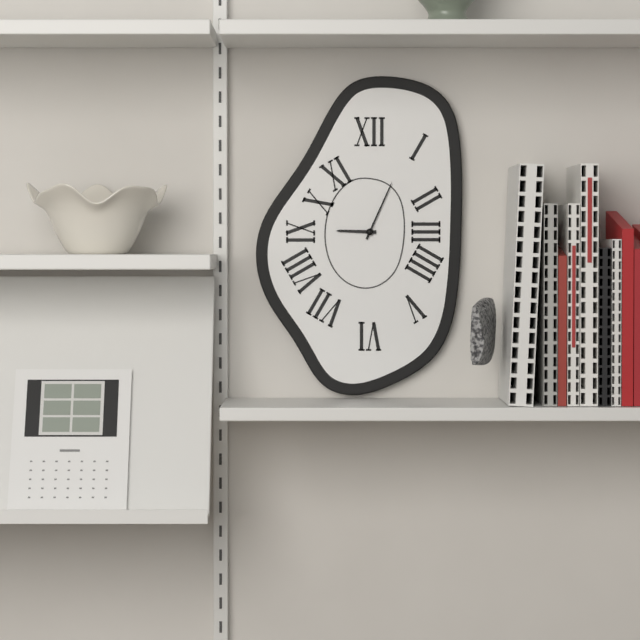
9:04
